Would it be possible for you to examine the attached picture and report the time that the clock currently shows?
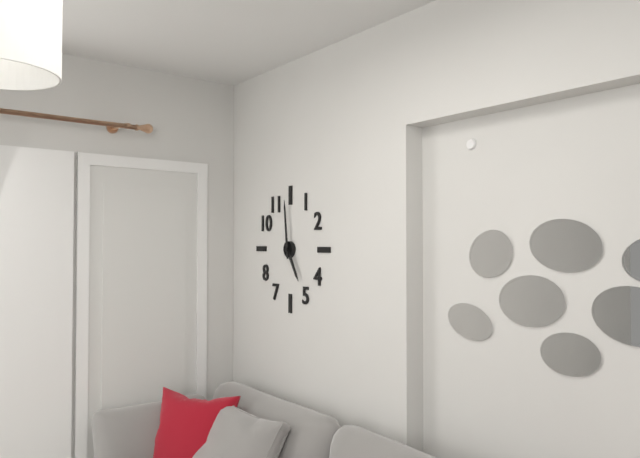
4:59
